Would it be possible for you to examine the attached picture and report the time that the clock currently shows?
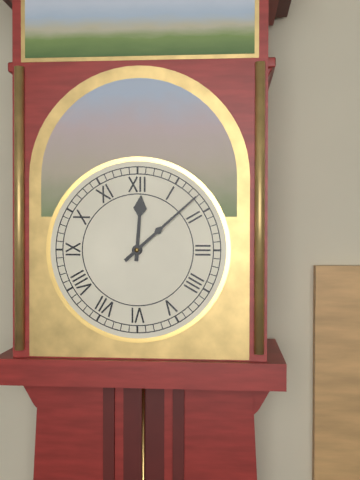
12:08
